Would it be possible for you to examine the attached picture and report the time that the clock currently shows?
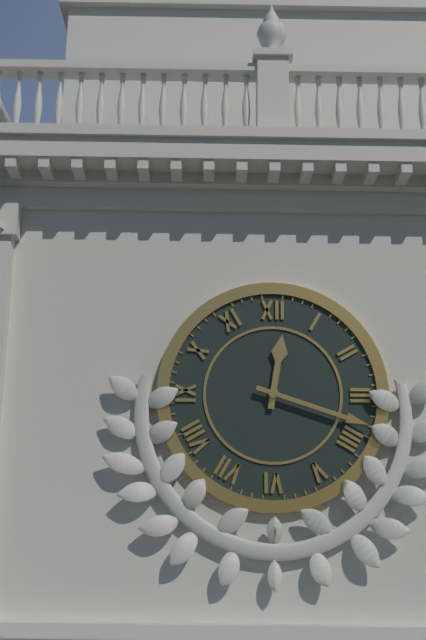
12:18
